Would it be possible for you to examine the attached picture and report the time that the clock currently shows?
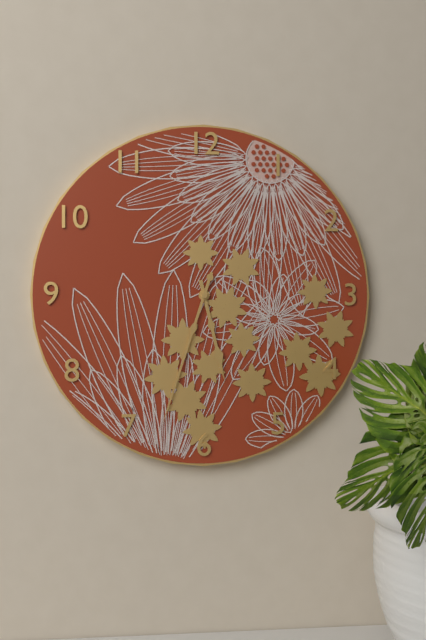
5:33
